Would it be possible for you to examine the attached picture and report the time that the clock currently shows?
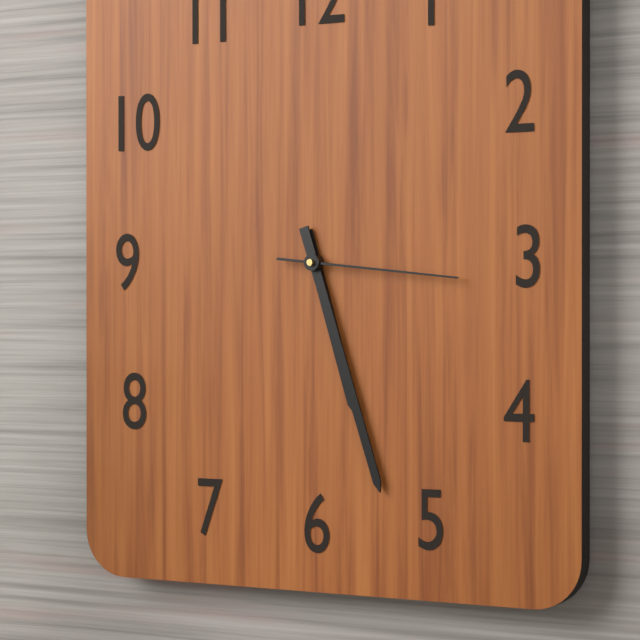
5:27:16
